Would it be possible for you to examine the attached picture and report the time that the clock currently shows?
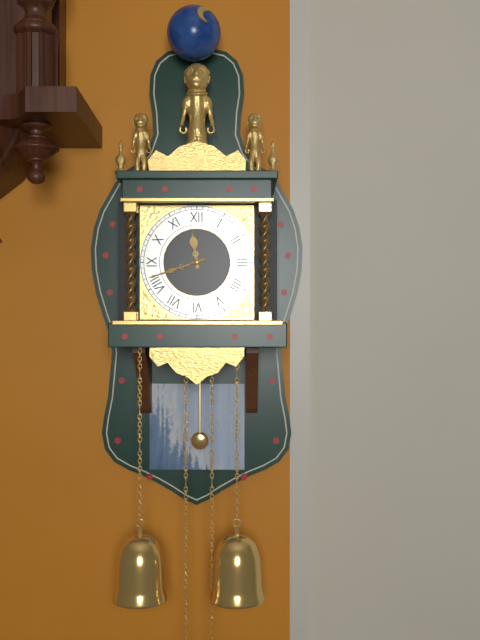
11:42
